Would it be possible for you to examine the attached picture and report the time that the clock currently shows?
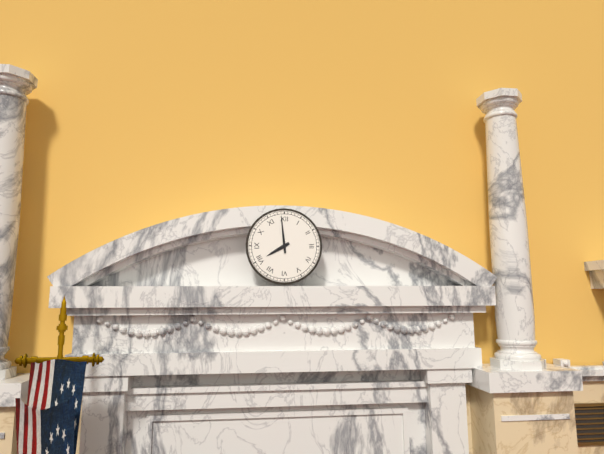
7:59
